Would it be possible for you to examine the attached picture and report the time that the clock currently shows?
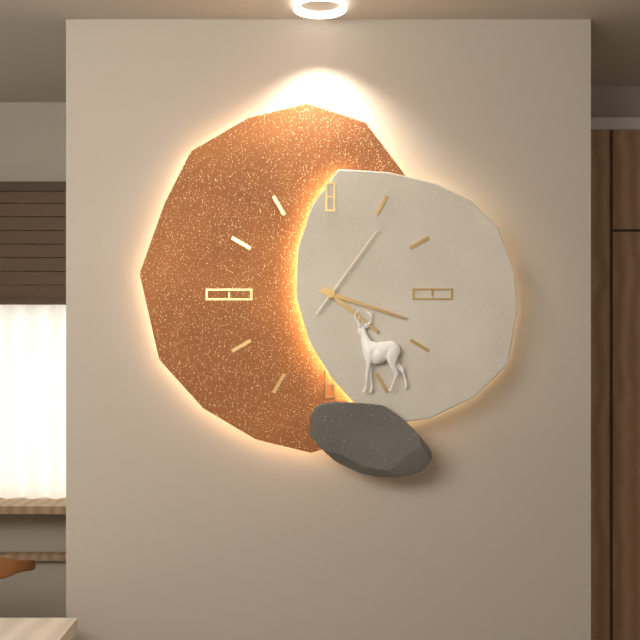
4:18:06
